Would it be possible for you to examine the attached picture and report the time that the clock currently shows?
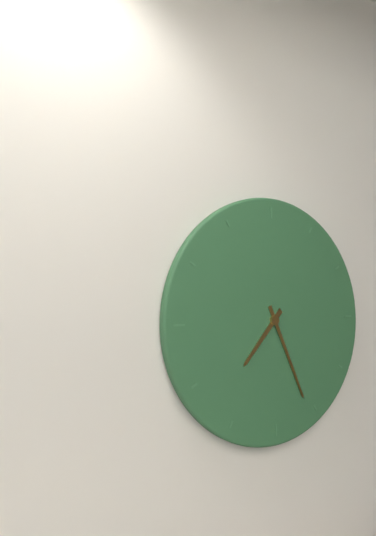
7:26
